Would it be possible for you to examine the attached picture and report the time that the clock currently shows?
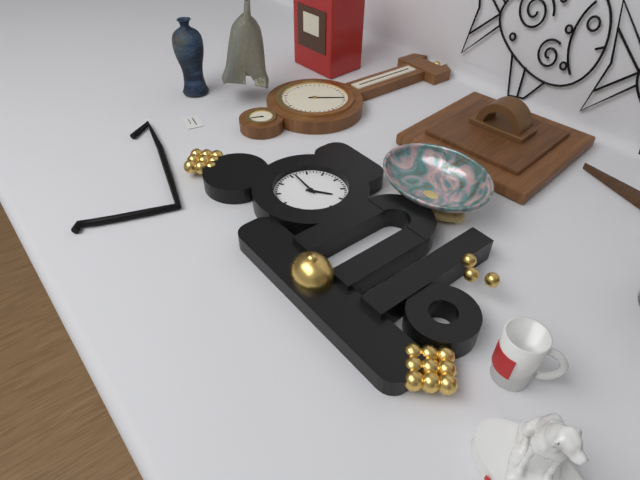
1:46
